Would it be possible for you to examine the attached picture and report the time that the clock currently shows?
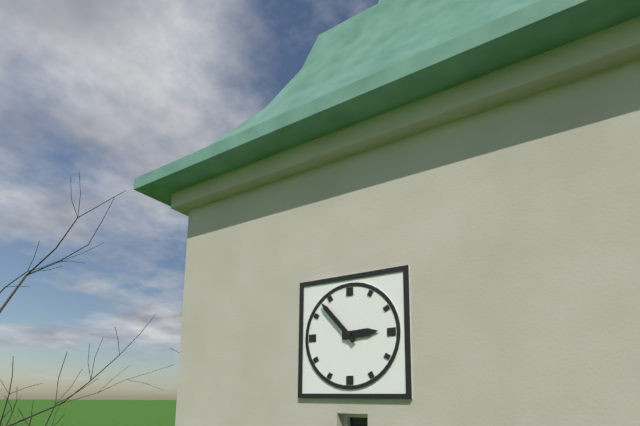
2:53
